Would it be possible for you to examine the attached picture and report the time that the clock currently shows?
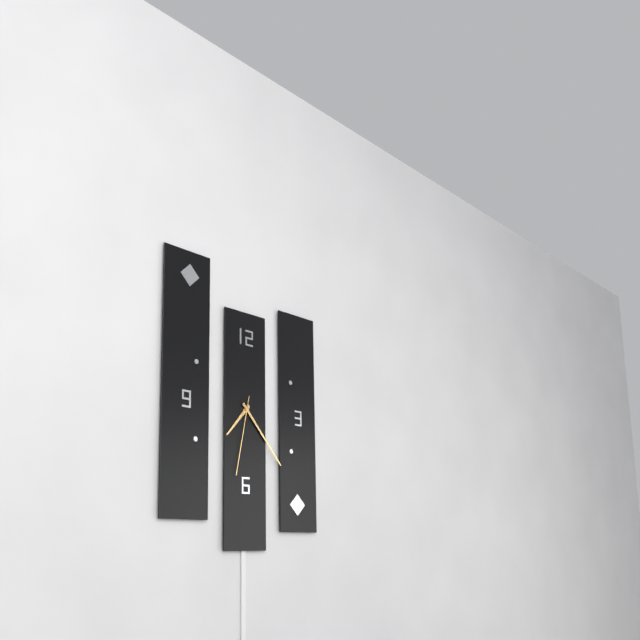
7:23:32
